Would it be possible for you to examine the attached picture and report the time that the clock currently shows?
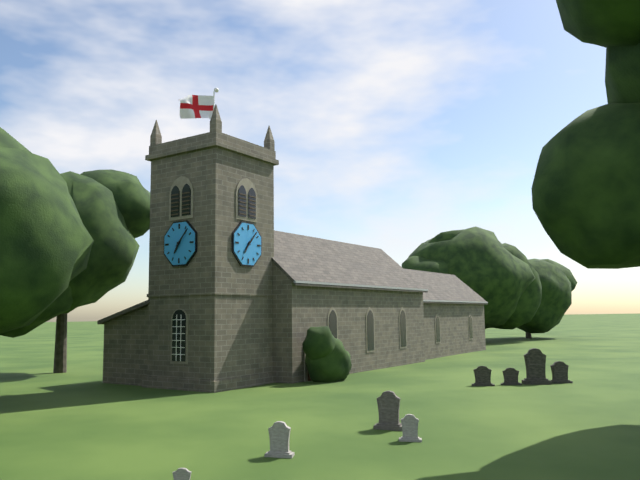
7:07
